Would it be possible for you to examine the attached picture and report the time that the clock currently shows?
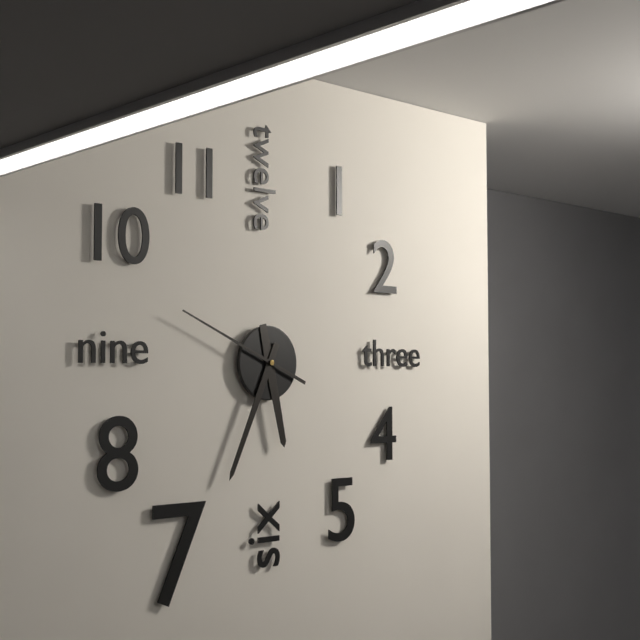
5:34:49
